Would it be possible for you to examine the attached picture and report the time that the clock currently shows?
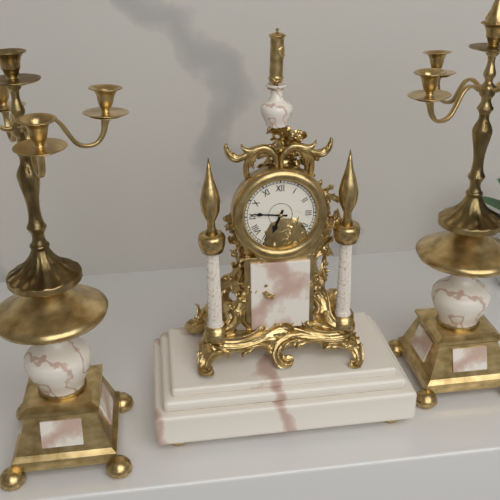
6:46
